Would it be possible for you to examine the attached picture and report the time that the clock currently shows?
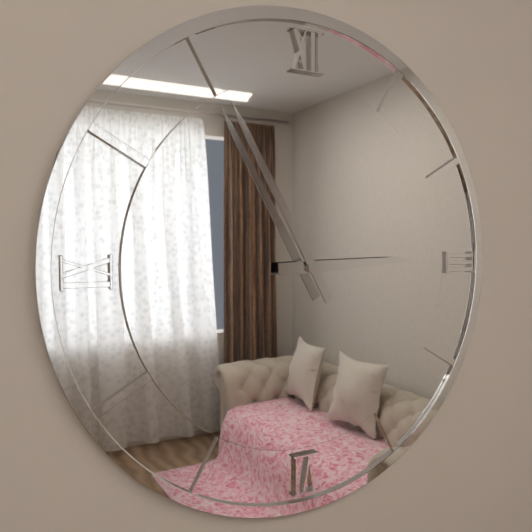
2:55
